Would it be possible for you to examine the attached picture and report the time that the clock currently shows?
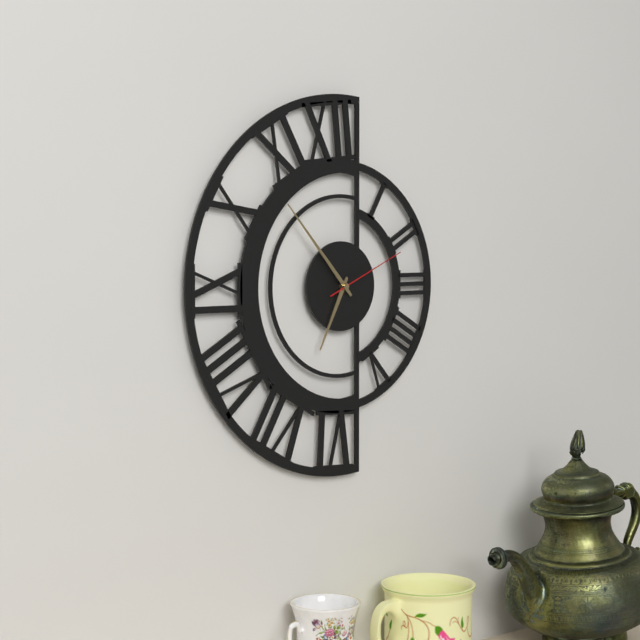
6:53:11
